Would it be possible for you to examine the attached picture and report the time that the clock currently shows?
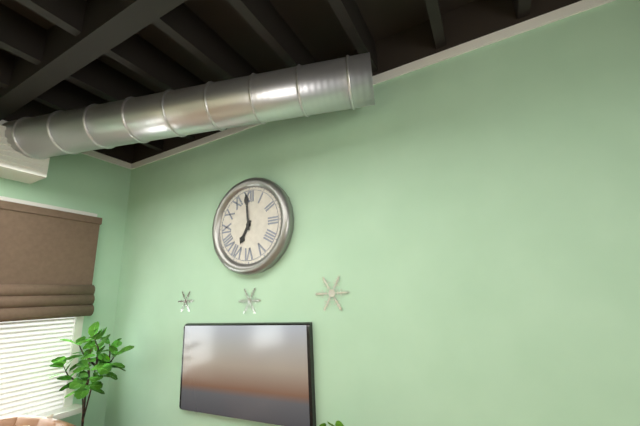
6:59
